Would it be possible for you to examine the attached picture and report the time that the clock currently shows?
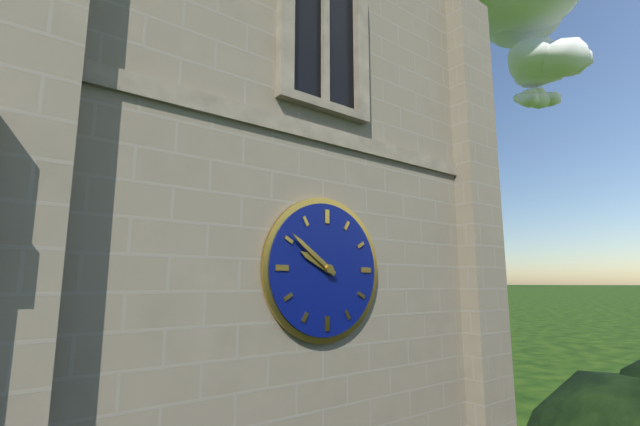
9:51
